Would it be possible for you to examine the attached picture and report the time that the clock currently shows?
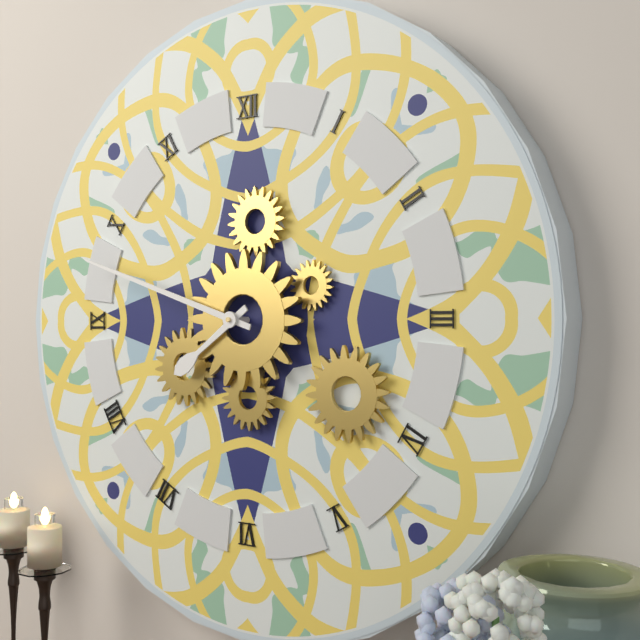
7:48
